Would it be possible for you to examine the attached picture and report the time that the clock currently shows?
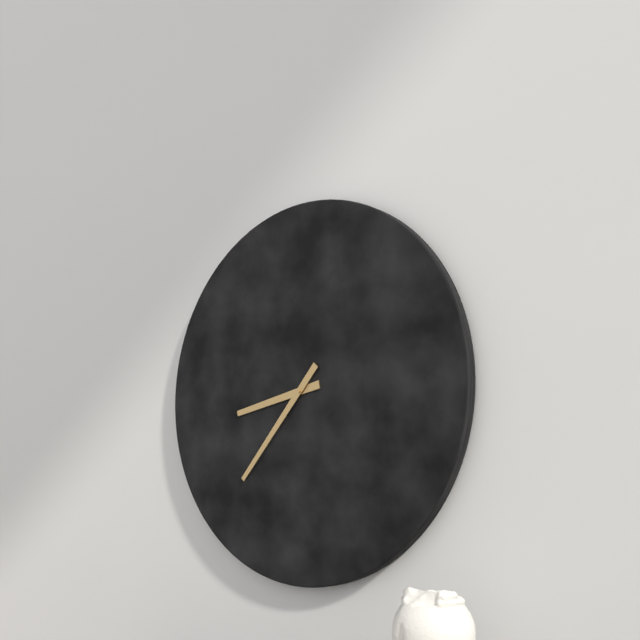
8:37
